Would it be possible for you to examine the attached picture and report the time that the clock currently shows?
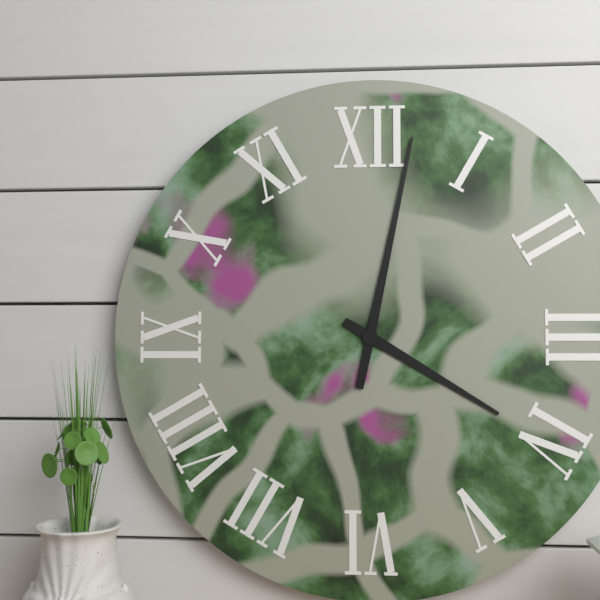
4:02
